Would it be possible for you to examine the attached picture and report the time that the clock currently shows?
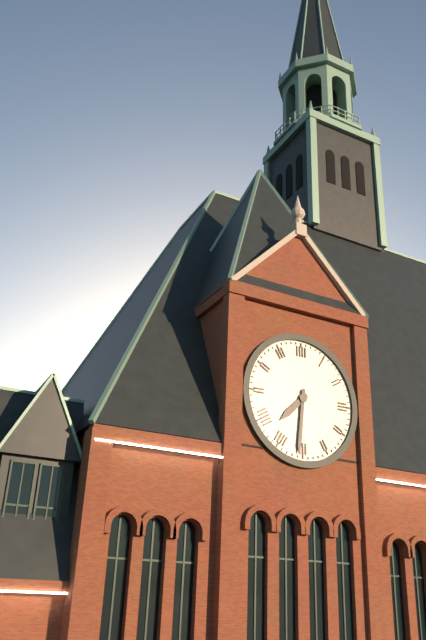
7:31
